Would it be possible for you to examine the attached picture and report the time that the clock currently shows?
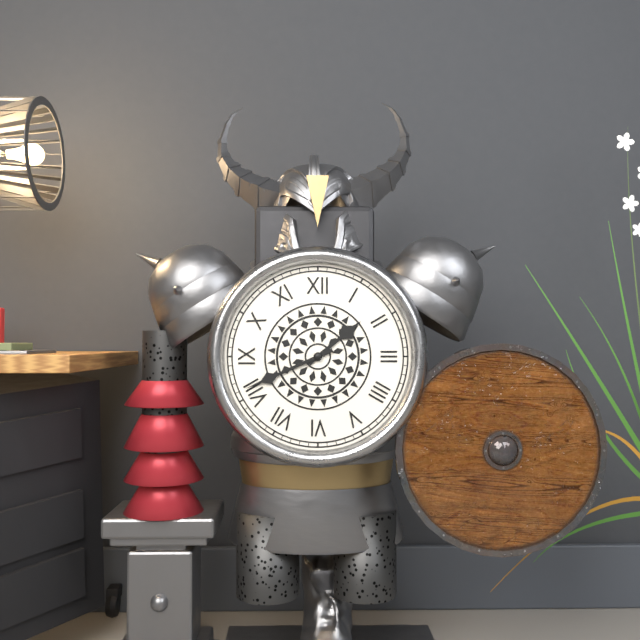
1:41
